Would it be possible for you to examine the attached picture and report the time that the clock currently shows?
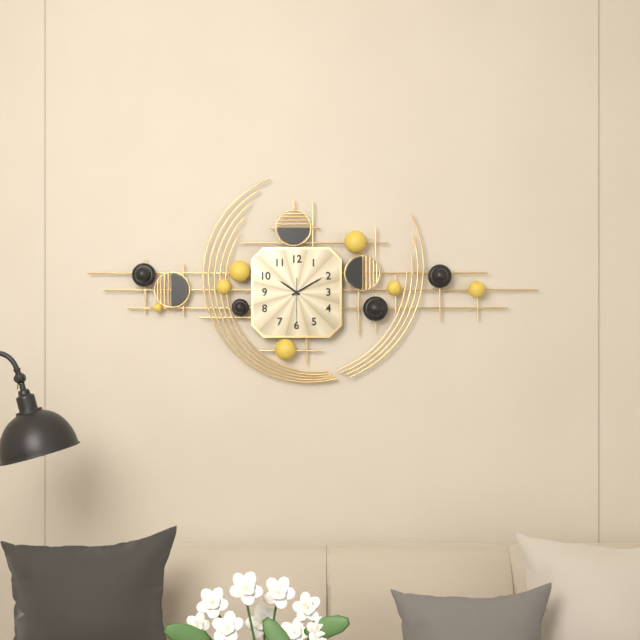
10:10
